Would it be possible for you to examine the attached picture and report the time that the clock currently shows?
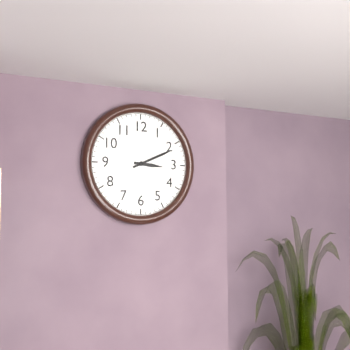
3:11
